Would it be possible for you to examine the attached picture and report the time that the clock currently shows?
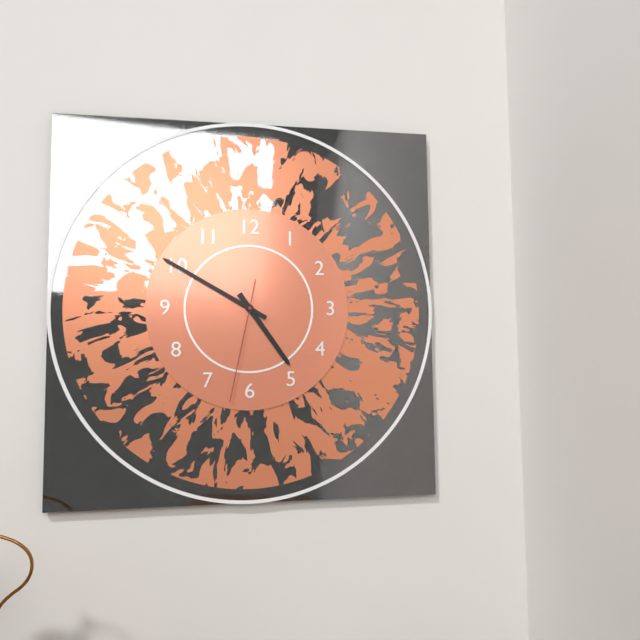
4:50:32
